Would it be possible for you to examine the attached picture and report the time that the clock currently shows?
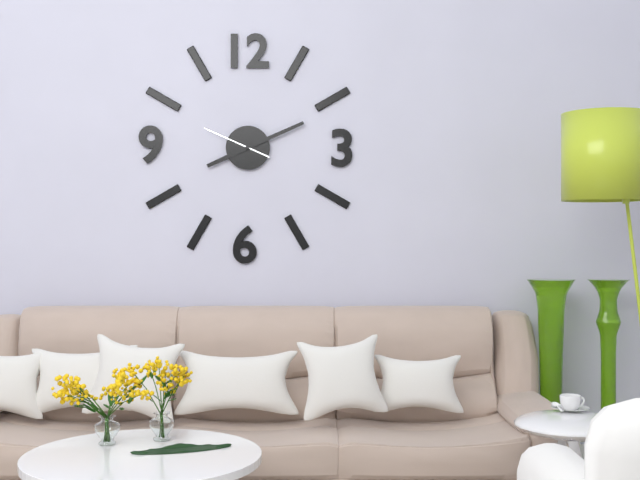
8:11:49
